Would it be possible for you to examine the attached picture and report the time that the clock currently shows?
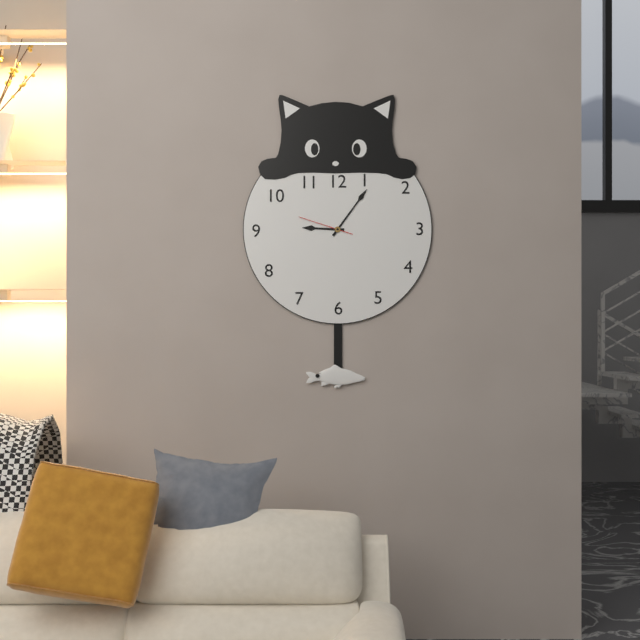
9:06:48
